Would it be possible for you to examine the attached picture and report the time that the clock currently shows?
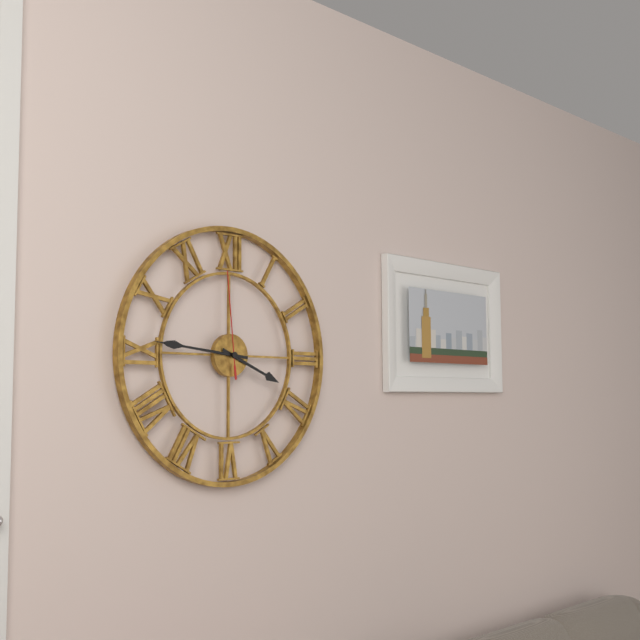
3:46:59
